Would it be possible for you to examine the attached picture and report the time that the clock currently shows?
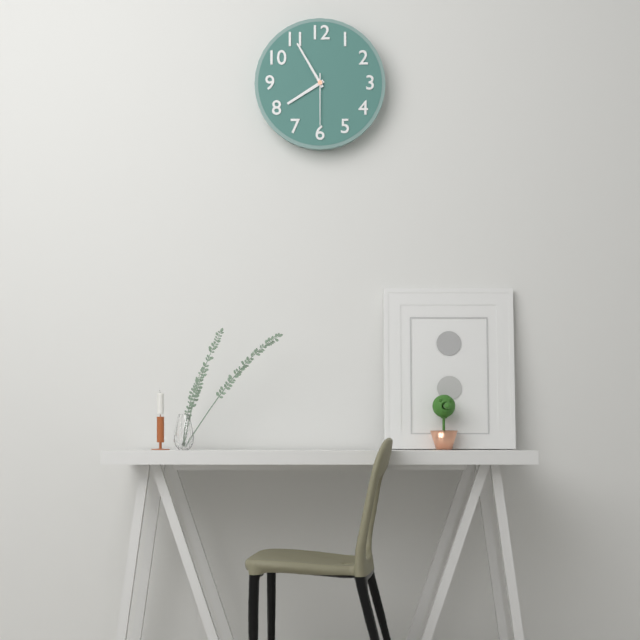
7:55:30
